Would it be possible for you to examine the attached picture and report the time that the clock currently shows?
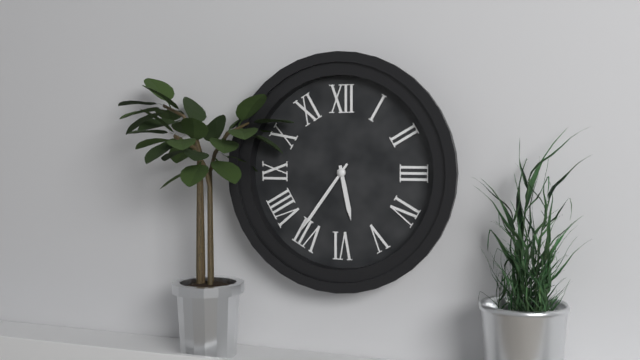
5:36
